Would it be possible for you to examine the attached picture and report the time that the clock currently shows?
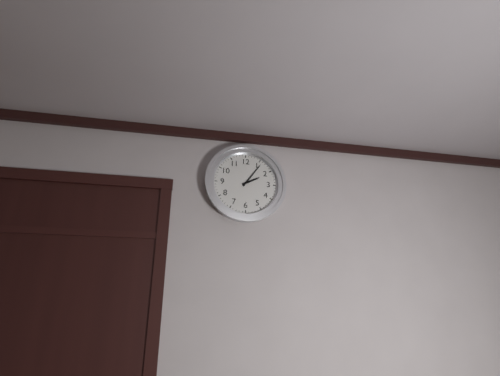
2:06
